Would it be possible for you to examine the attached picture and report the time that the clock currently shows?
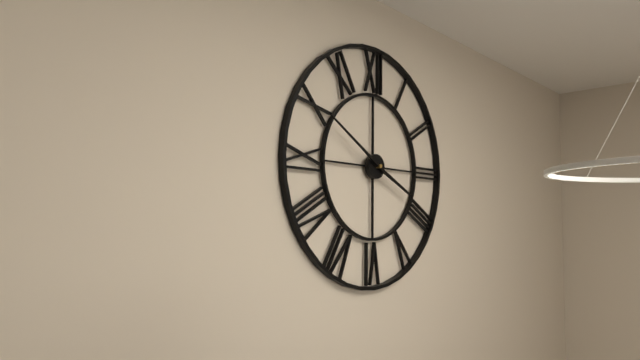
3:50
